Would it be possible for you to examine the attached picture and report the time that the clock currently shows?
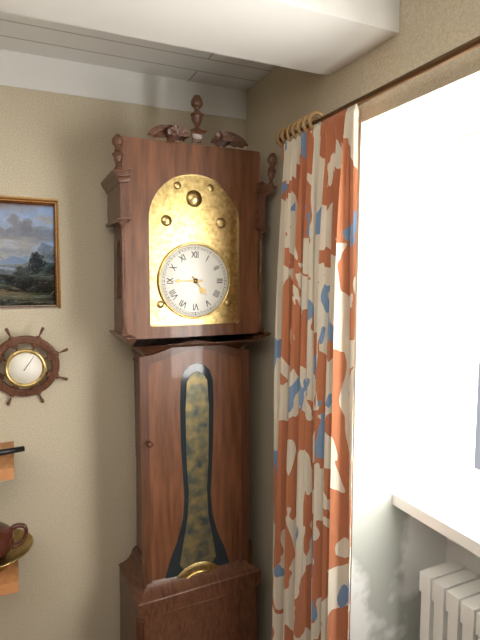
4:45
